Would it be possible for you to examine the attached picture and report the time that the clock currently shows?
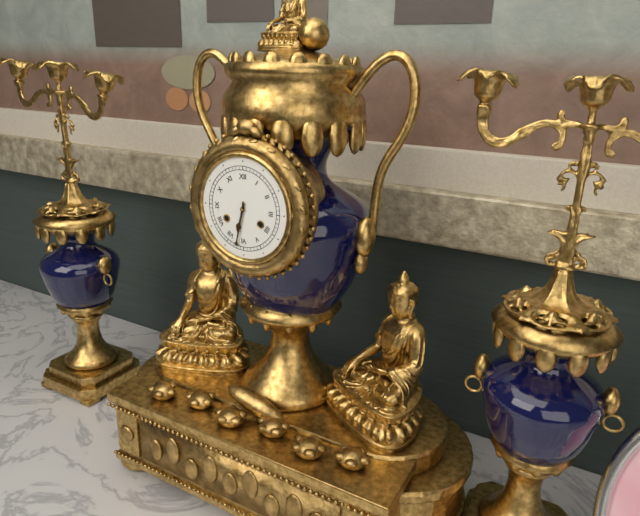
6:32
